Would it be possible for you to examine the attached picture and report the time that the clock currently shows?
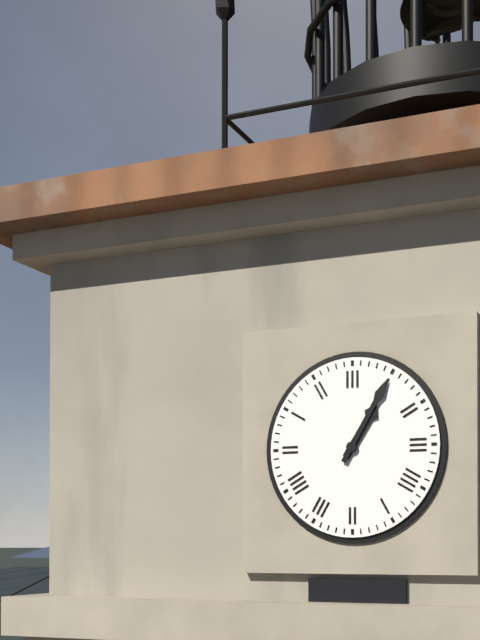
1:05
